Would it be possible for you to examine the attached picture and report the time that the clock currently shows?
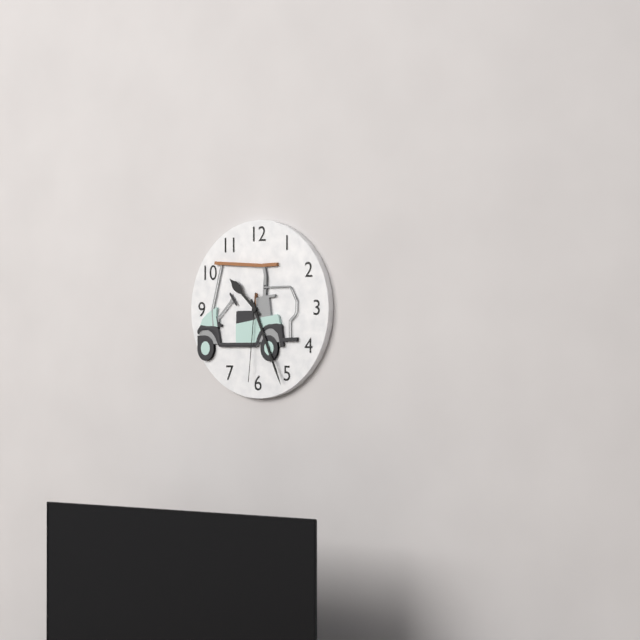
10:26:31
